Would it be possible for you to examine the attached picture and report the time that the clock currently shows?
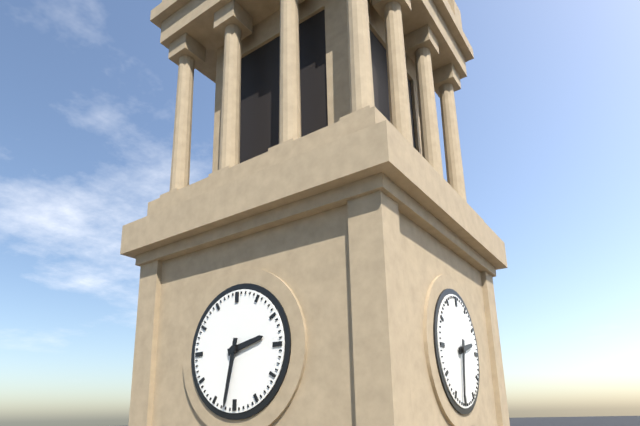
2:32
